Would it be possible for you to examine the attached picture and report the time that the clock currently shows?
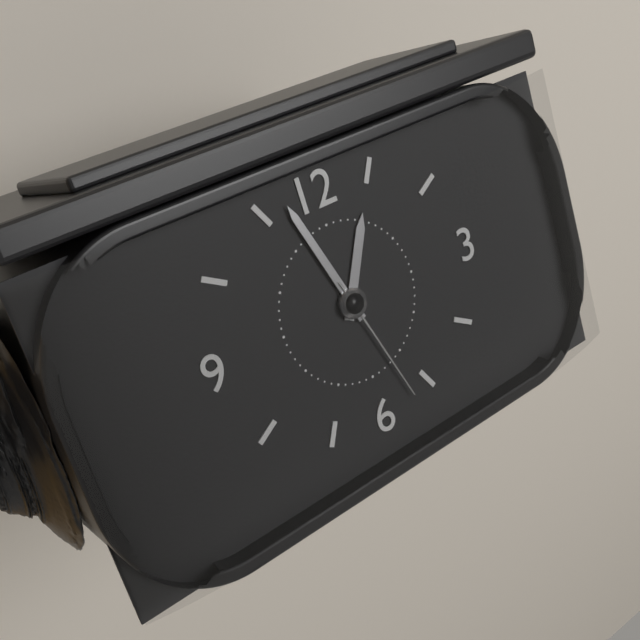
12:57:27
